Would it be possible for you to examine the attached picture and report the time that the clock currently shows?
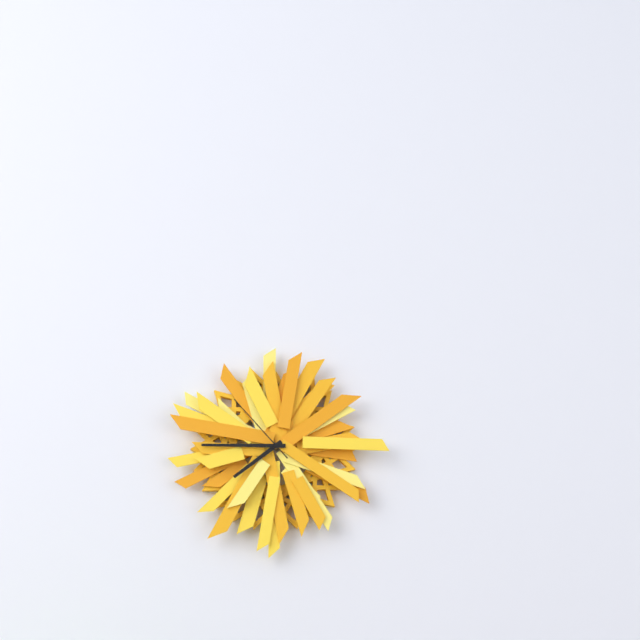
7:45:53
